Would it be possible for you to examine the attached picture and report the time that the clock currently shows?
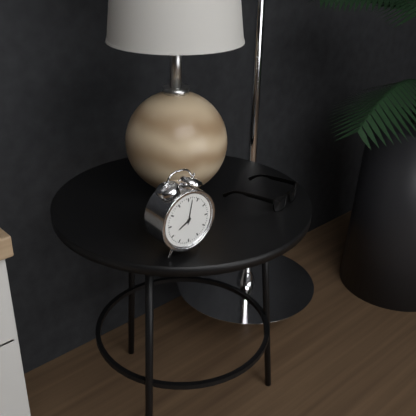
8:02
